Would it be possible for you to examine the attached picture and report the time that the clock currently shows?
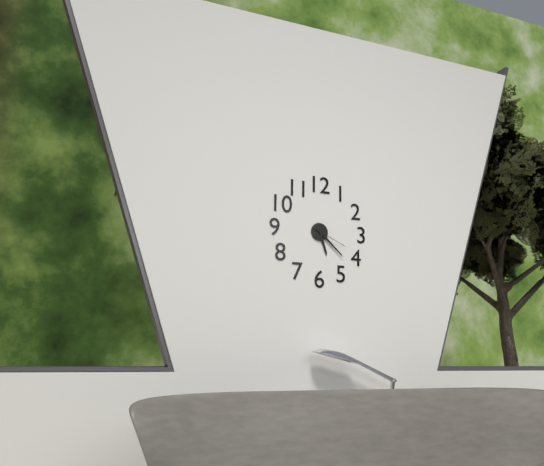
5:22
